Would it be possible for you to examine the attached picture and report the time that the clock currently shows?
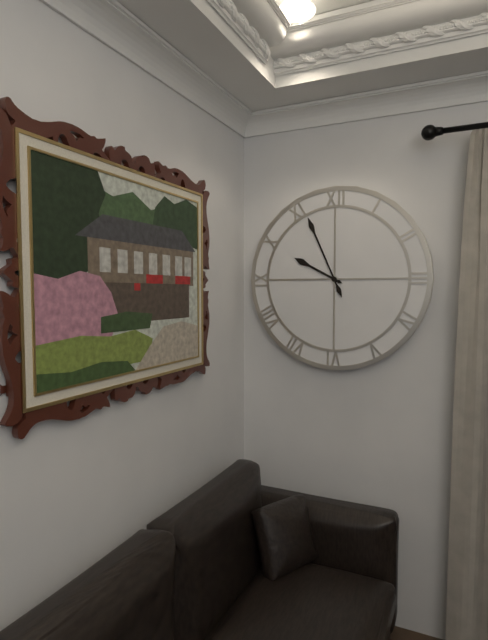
9:56
